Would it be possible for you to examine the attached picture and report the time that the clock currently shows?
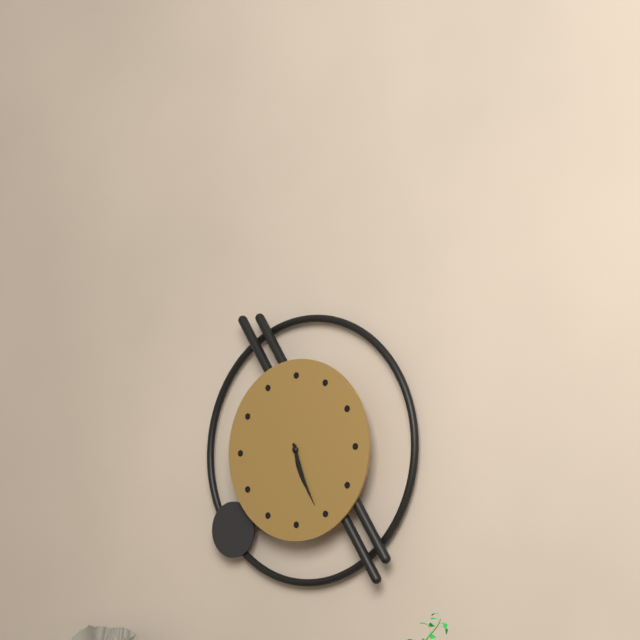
5:26
